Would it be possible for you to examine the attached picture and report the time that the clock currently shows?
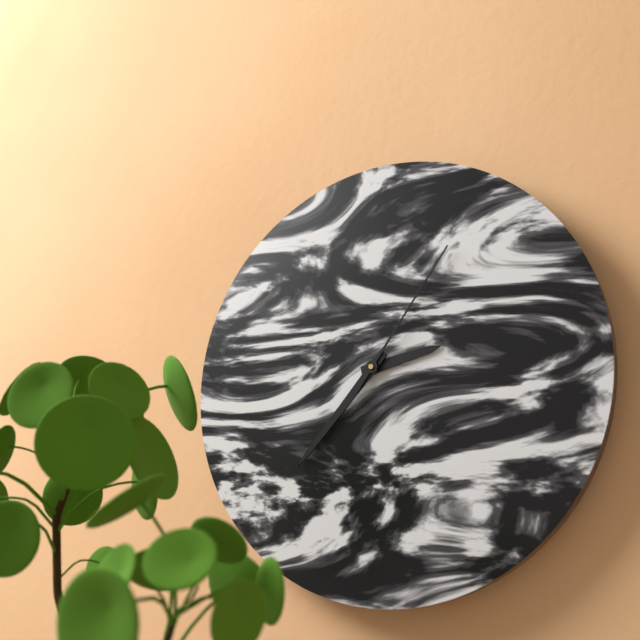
2:37:06
